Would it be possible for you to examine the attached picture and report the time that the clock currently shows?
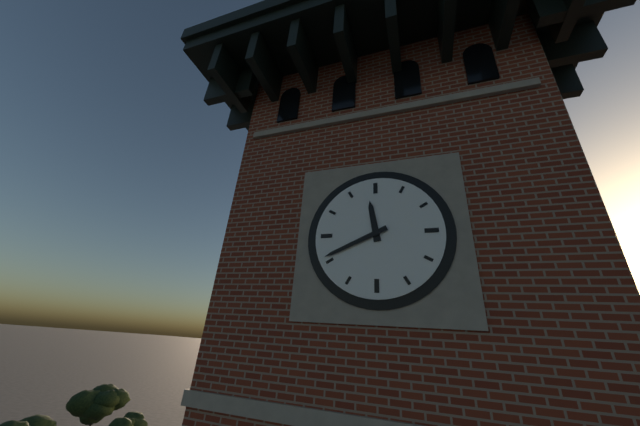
11:41
